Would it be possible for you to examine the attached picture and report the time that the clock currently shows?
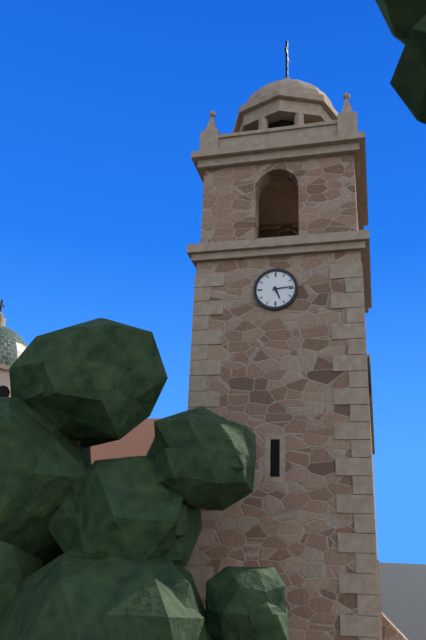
5:14
